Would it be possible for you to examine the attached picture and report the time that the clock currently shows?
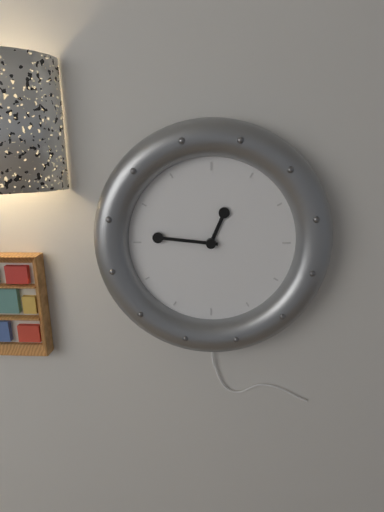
12:46
